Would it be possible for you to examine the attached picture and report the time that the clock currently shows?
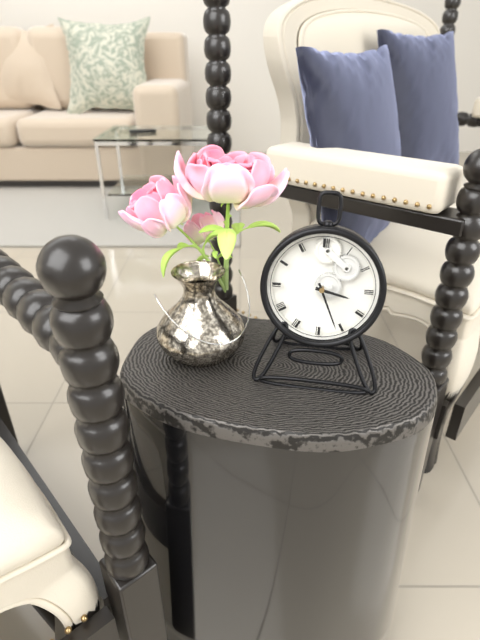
3:26
